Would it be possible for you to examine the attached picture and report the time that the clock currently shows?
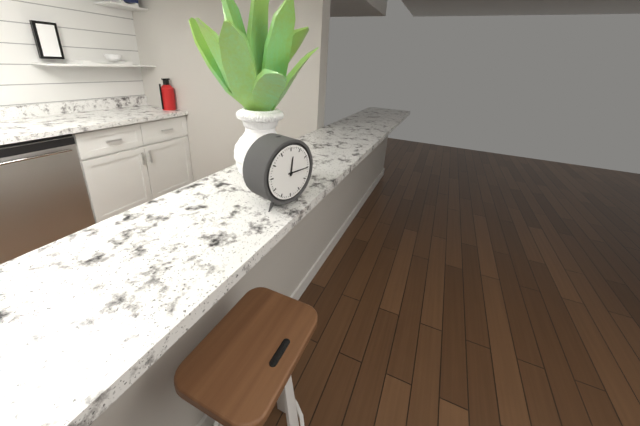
12:15
